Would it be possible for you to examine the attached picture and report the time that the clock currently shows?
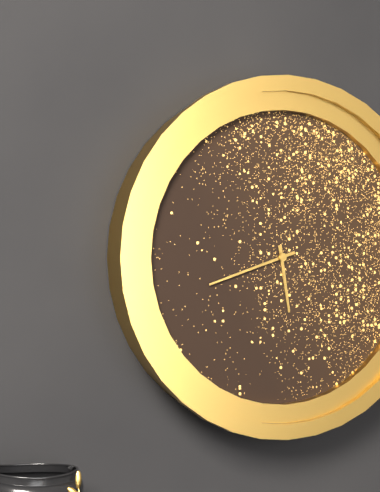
5:42
